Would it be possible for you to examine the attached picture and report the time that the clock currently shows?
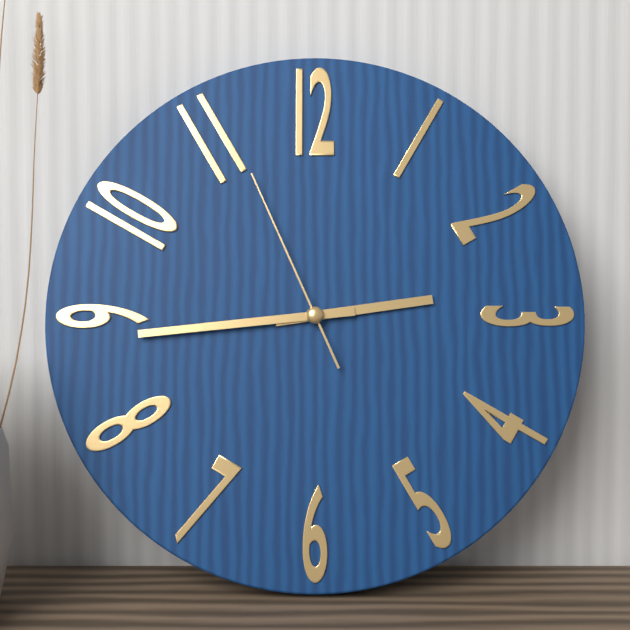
2:44:56
